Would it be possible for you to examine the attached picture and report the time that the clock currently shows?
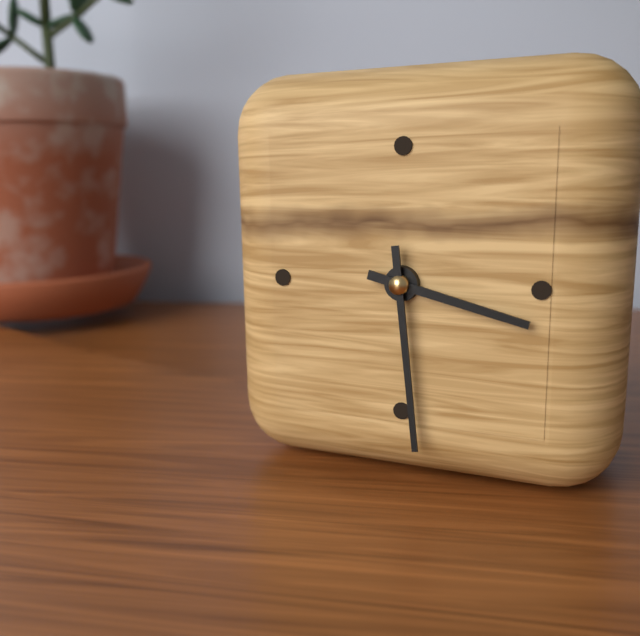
3:29
